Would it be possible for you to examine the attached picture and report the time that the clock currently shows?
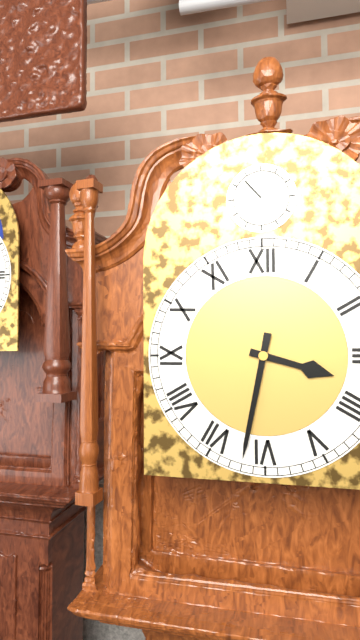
3:32
